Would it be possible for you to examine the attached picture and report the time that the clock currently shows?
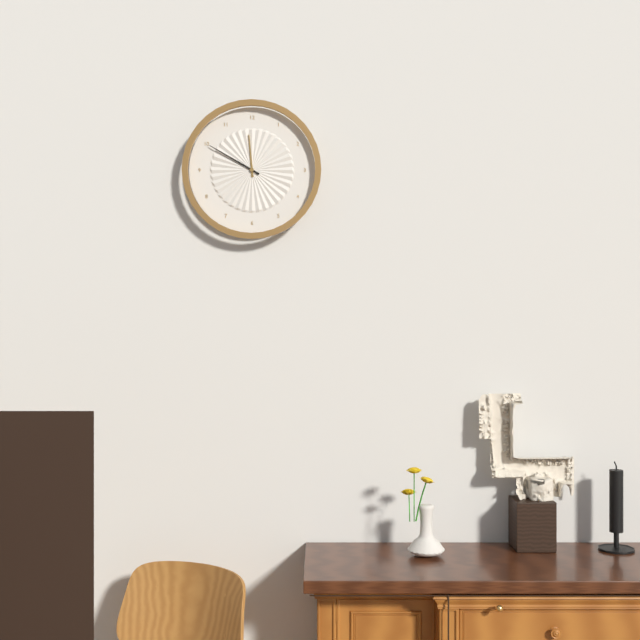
11:50
